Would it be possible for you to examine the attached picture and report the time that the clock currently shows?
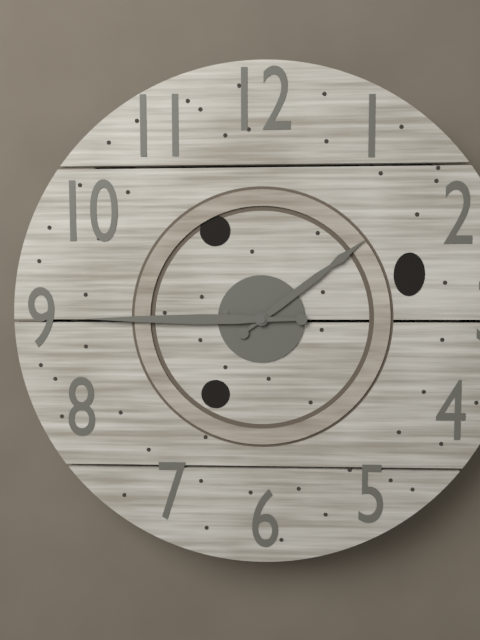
1:45
